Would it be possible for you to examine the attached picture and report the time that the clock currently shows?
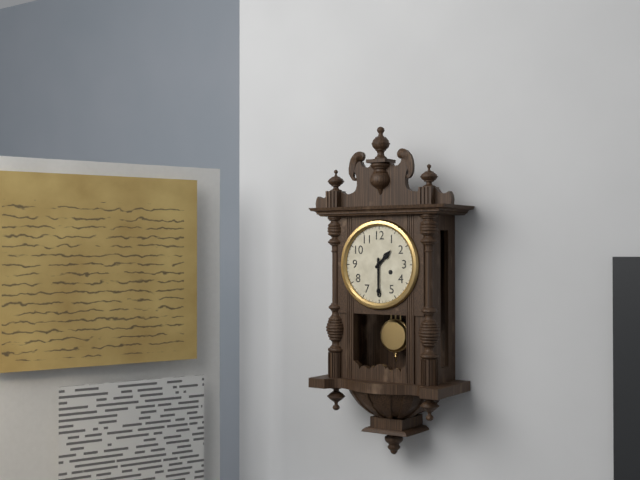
1:30
